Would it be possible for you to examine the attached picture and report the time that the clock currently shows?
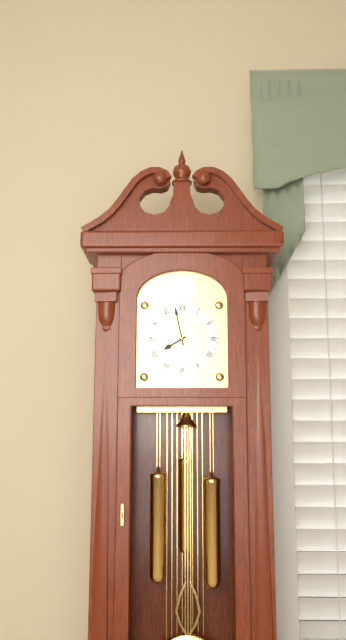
7:58
